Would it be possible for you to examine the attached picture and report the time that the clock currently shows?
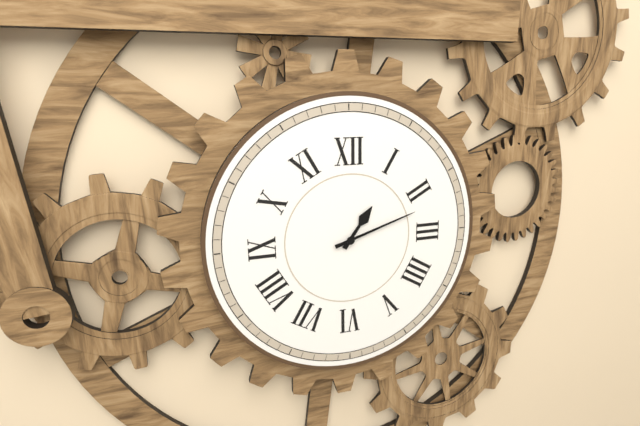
1:12
